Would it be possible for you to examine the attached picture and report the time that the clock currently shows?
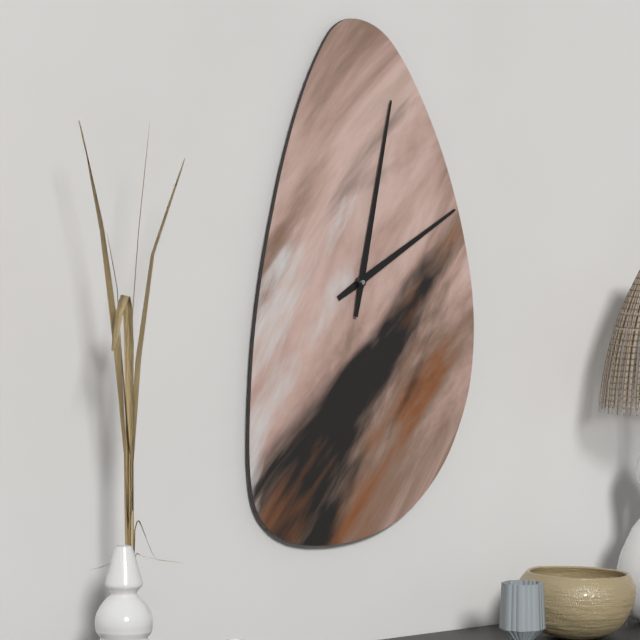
2:02
